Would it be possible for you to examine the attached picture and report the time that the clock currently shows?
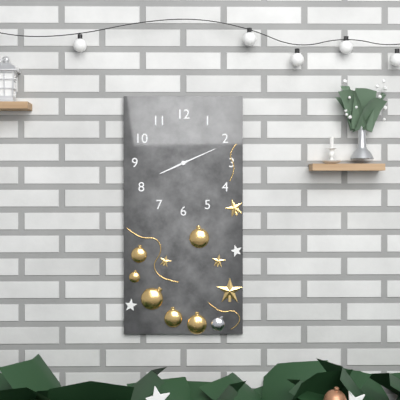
8:11
